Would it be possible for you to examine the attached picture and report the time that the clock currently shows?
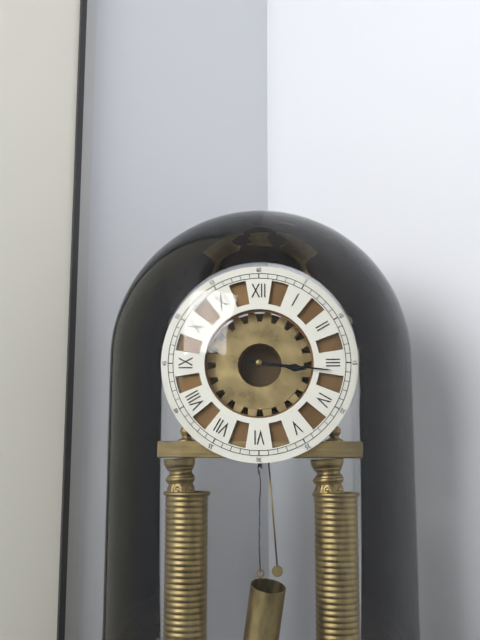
3:16
